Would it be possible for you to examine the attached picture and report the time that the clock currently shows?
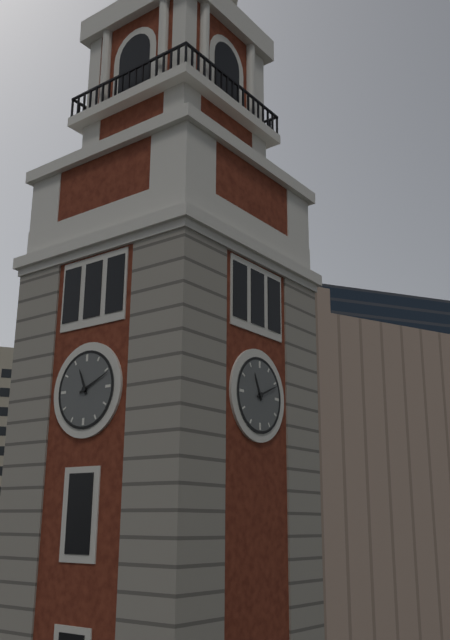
11:11
